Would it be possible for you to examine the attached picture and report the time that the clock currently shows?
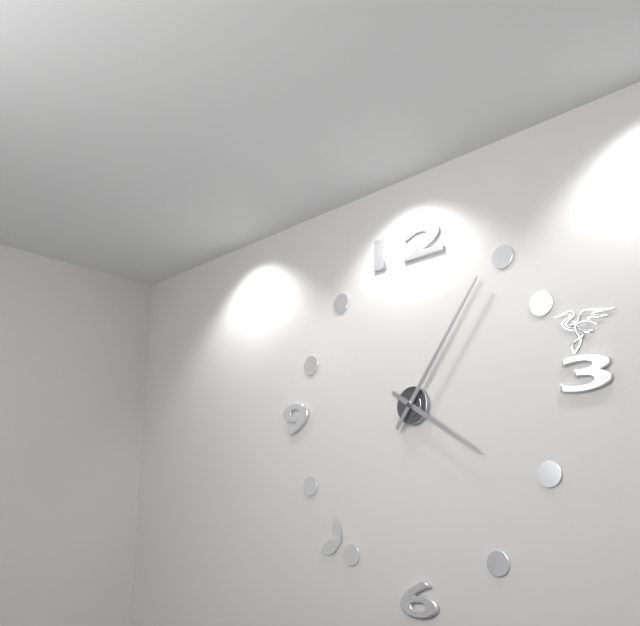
4:06
